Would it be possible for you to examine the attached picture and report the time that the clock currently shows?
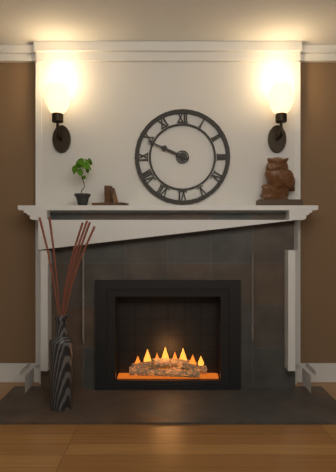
9:49
